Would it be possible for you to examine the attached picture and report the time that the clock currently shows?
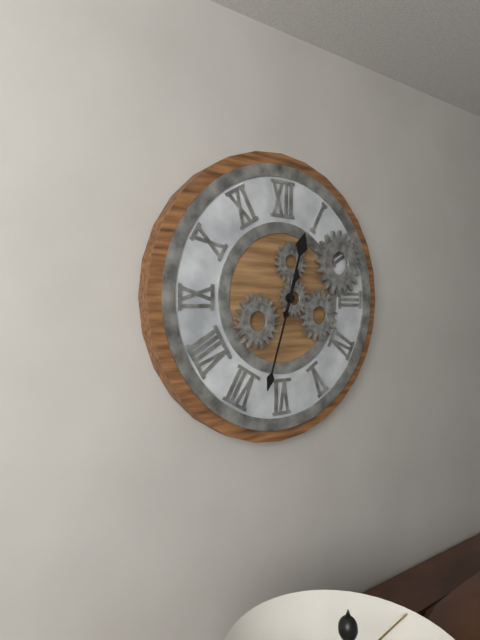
12:33
